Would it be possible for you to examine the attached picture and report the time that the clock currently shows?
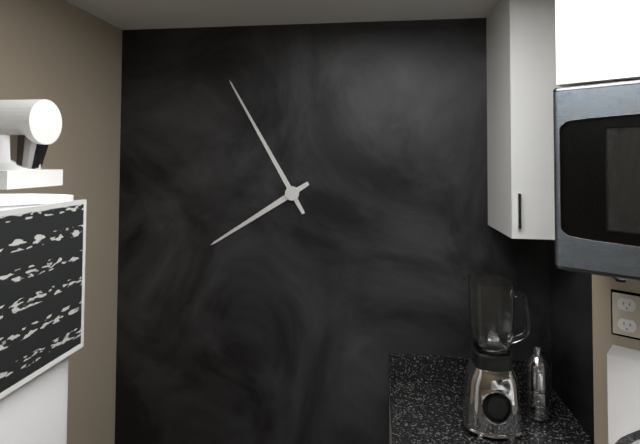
7:55
